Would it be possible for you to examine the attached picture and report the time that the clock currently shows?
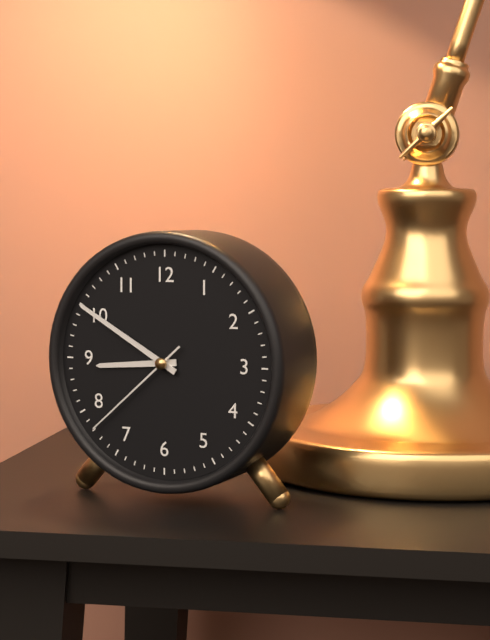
8:50:38
